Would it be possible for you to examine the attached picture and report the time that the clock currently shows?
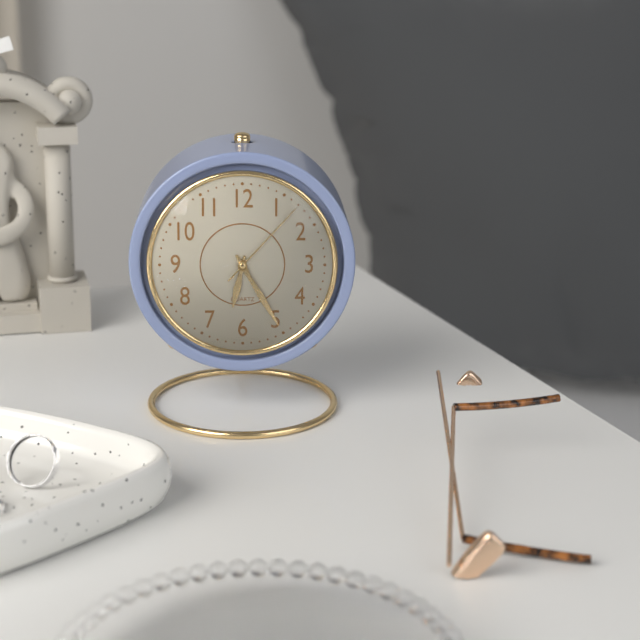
6:25:07
